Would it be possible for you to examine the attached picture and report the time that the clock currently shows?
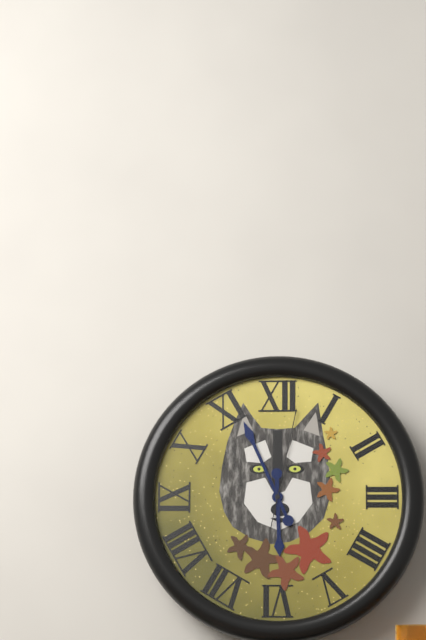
5:56:02
